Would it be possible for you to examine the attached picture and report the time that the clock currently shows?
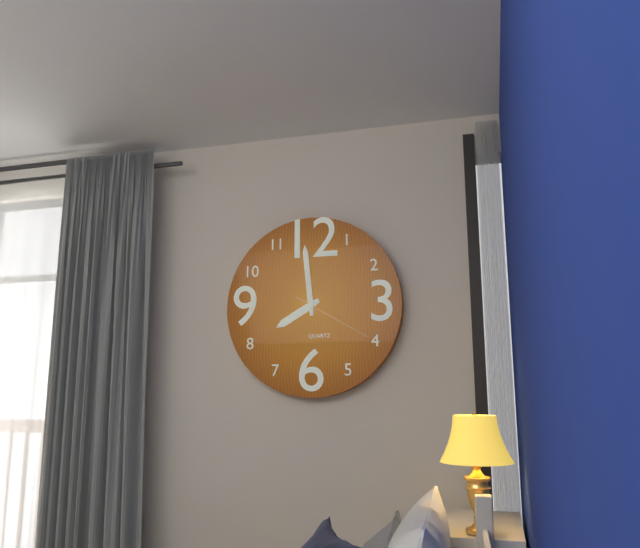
7:59:20
